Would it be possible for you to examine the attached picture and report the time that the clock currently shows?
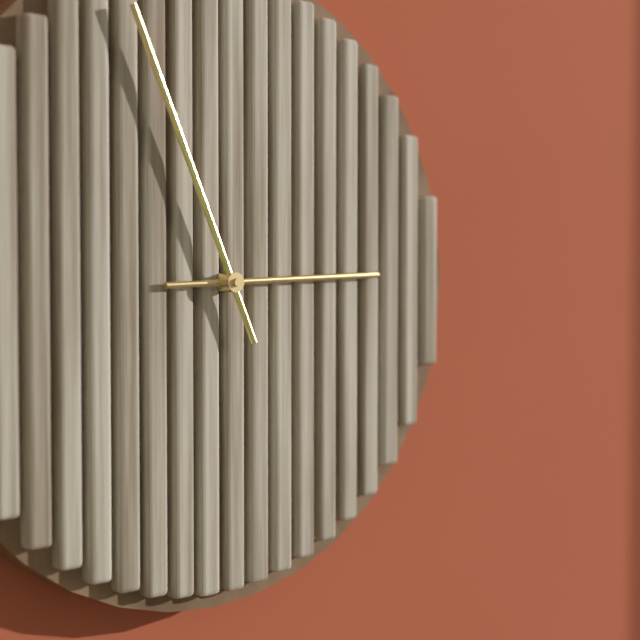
2:56
